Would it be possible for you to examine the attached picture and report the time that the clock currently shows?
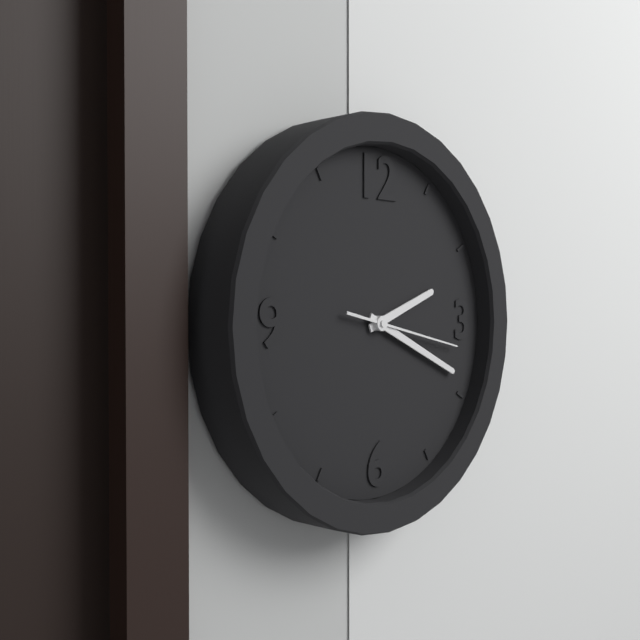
2:19:17
